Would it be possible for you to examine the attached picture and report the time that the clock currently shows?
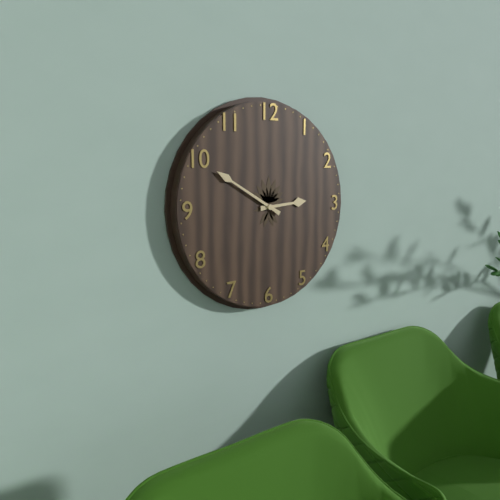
2:50
